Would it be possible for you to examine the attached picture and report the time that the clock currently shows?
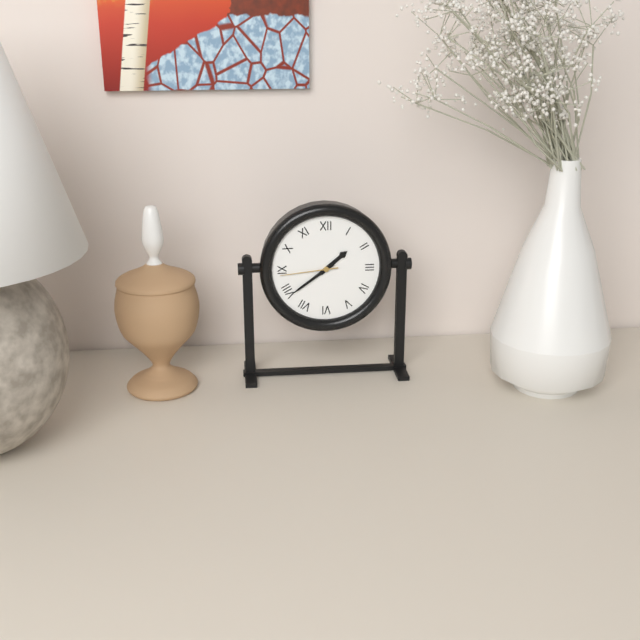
1:39:44
